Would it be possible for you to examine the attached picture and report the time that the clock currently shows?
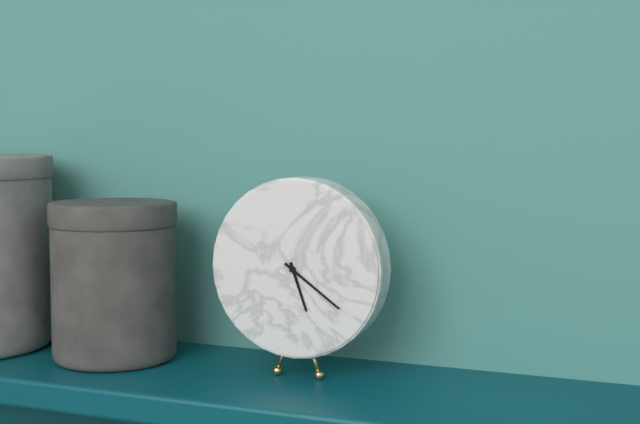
5:21
